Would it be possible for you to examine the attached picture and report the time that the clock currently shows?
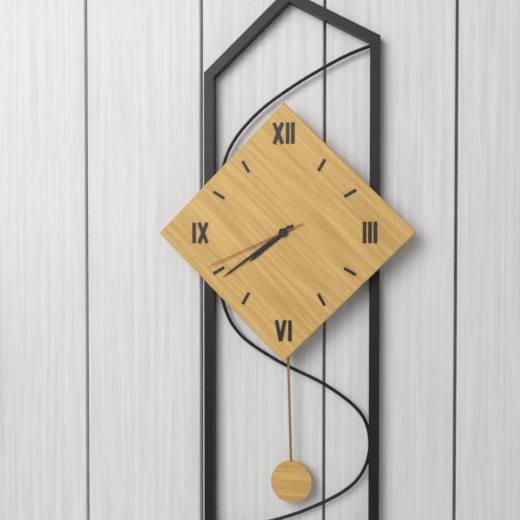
7:39:41
